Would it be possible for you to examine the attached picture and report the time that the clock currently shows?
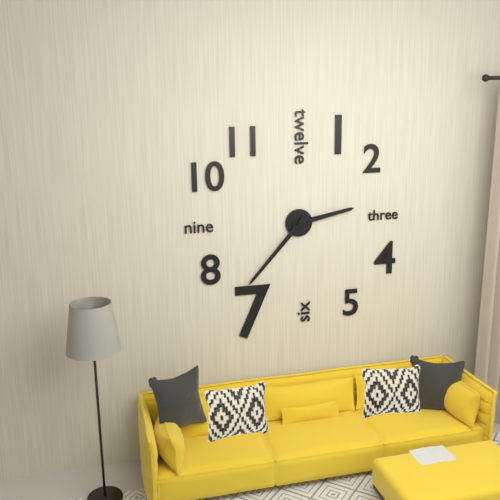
2:37
